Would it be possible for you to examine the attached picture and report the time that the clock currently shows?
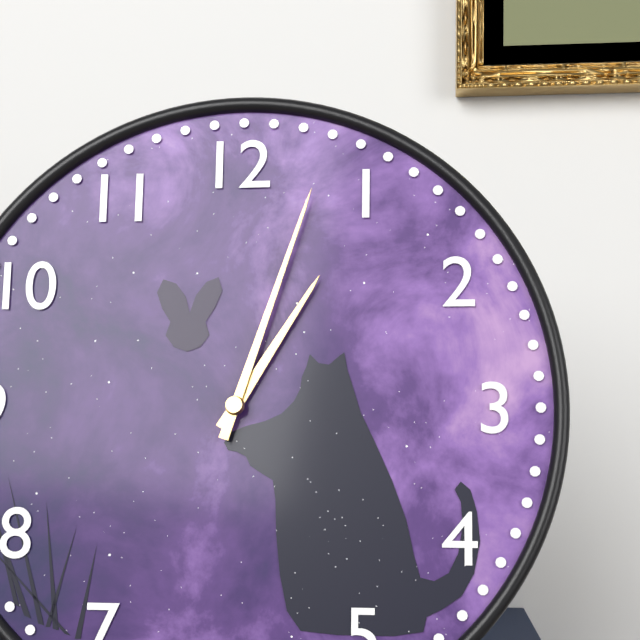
1:03
